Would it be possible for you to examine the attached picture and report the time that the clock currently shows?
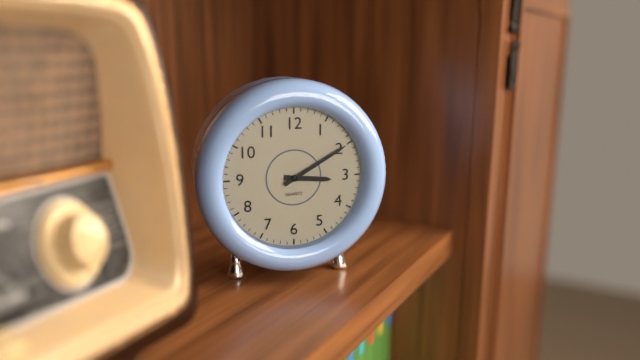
3:10
